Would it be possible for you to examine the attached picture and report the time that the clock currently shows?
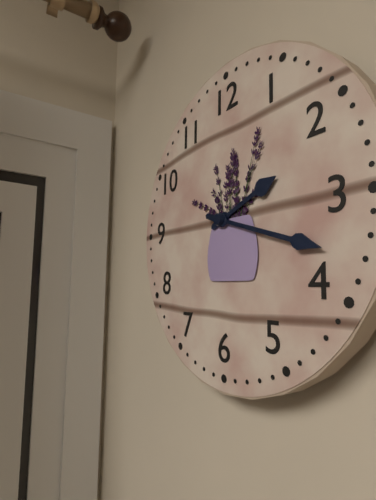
2:18
